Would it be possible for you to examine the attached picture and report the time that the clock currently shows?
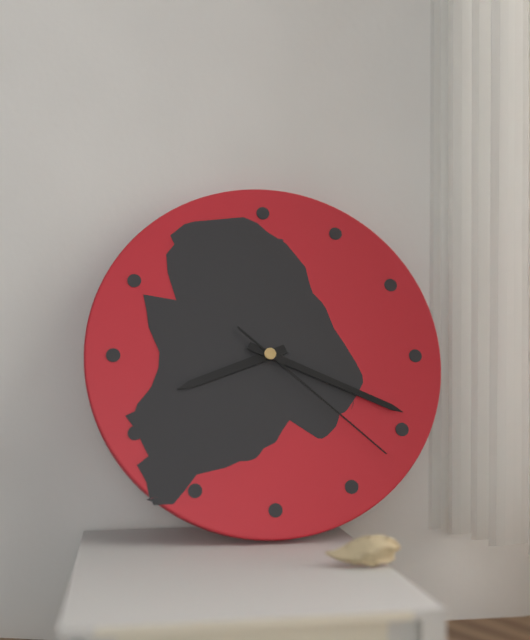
8:19:22
